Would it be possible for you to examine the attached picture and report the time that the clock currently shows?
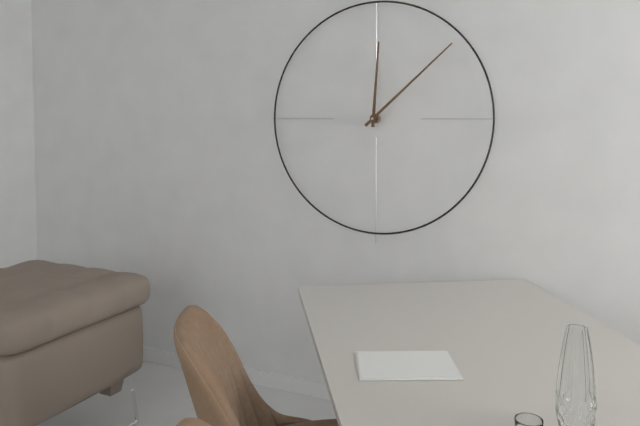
12:08
